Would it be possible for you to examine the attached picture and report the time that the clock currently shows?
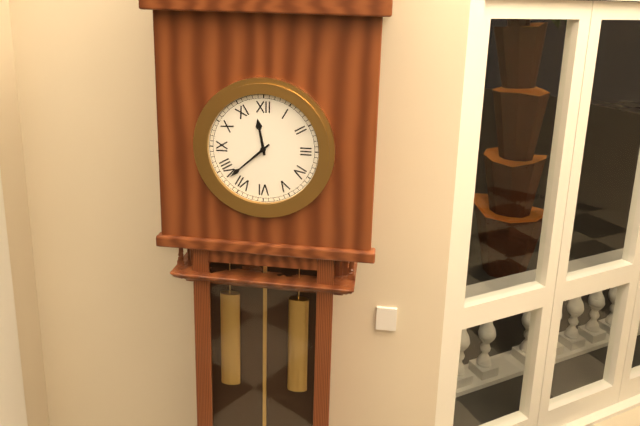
11:38
